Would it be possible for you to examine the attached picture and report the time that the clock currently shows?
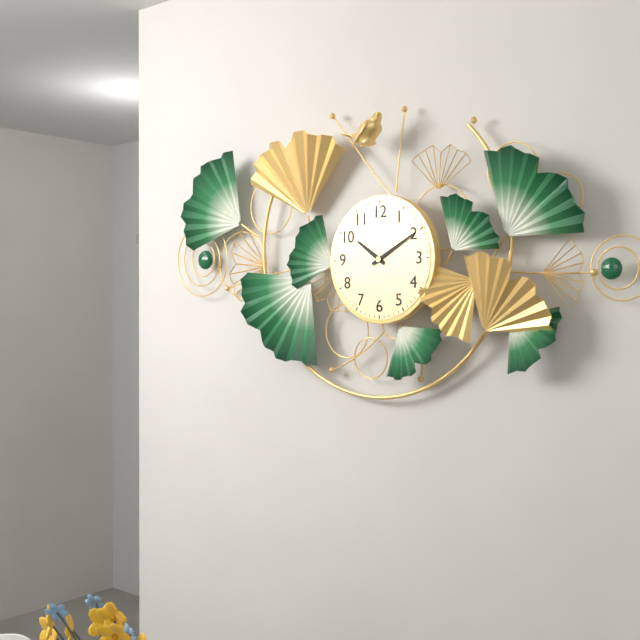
10:10
